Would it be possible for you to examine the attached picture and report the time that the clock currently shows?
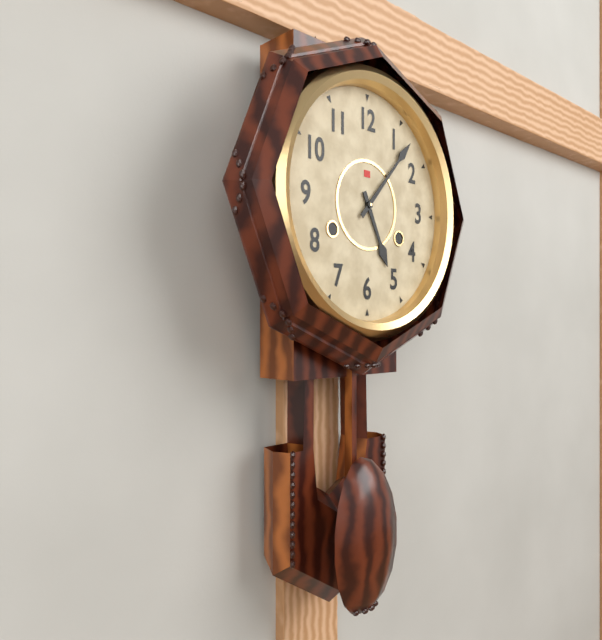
5:07
